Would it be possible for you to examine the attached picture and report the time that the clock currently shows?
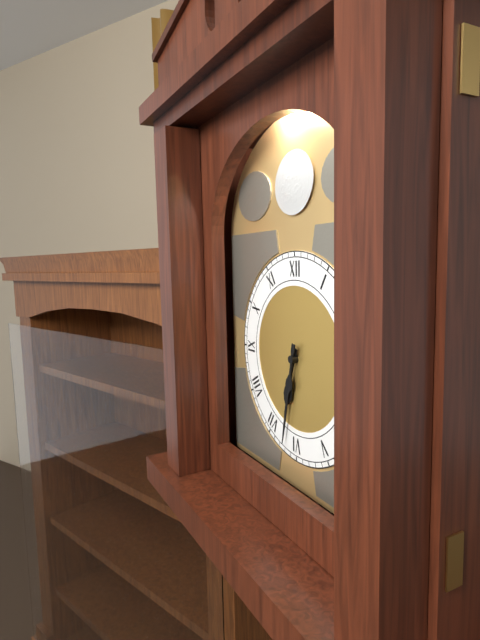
6:32
